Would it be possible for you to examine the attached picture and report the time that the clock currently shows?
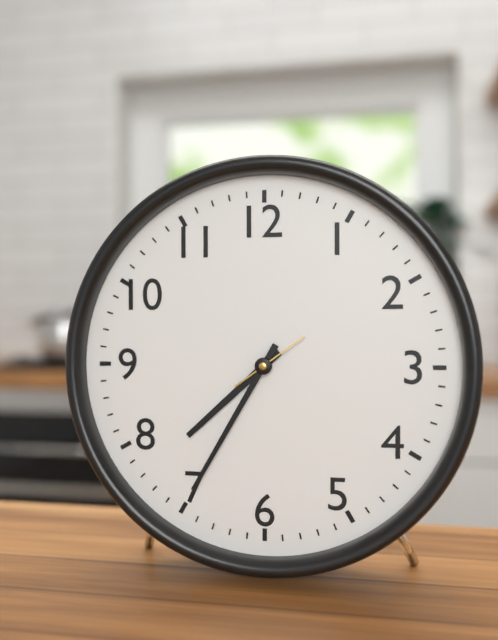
7:35:09
